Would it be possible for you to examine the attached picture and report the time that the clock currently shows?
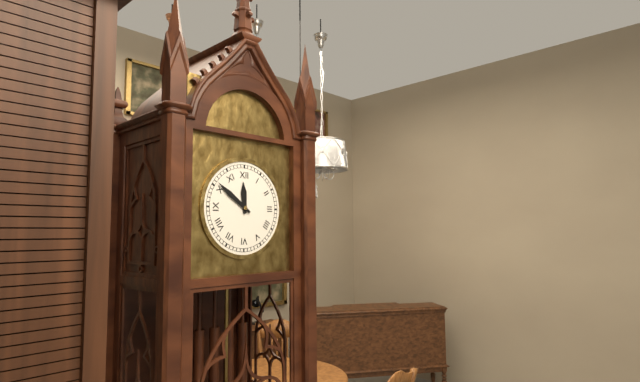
11:51
